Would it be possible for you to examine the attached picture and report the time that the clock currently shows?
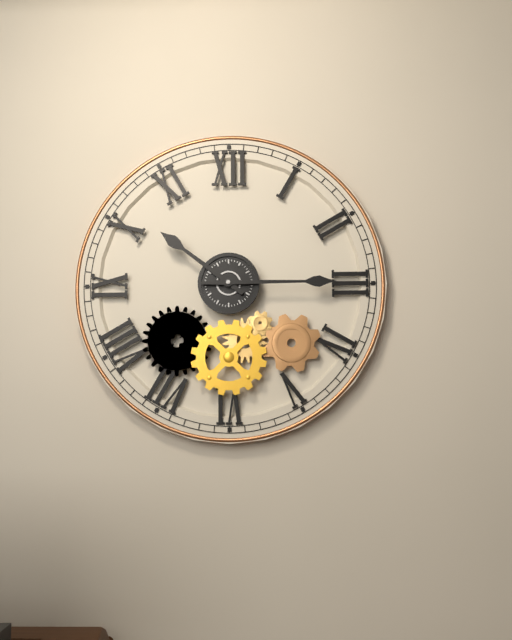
10:15
